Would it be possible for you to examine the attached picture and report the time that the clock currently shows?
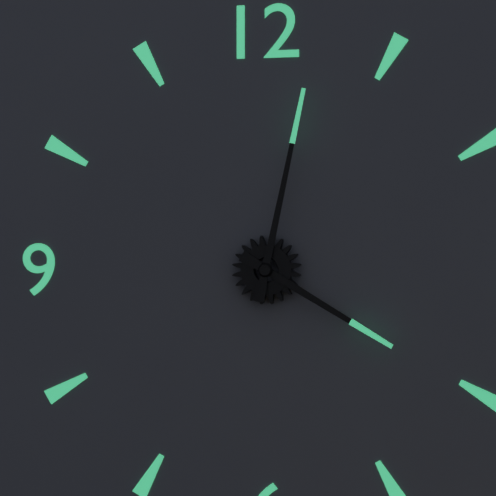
4:02
